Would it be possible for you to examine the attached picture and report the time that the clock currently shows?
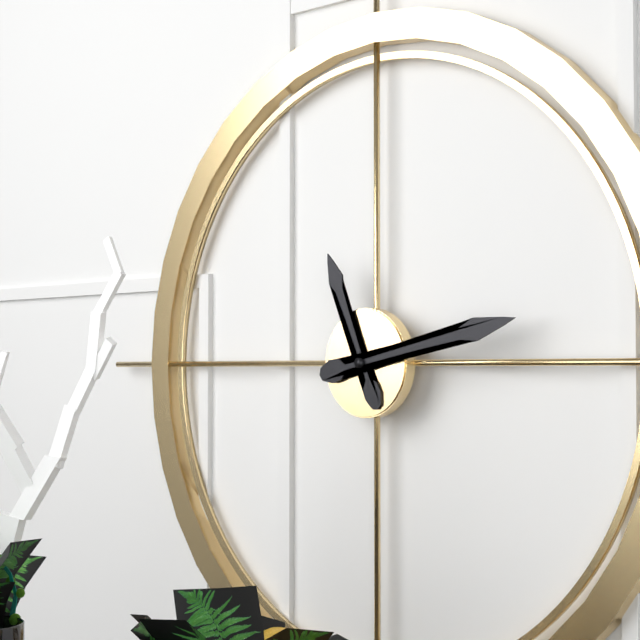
11:13
